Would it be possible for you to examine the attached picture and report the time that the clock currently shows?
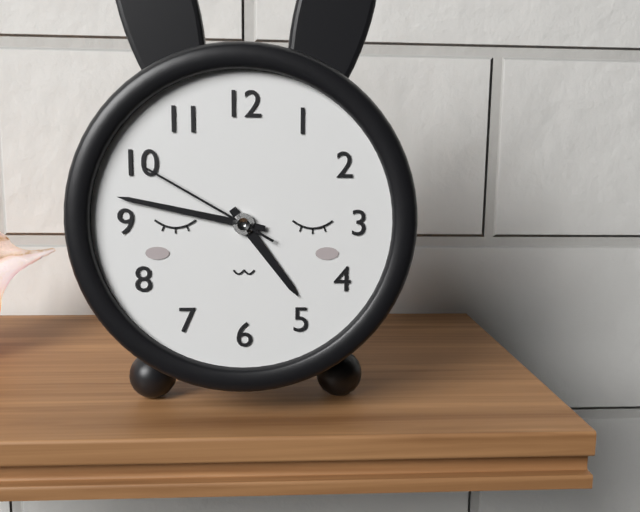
4:47:50
